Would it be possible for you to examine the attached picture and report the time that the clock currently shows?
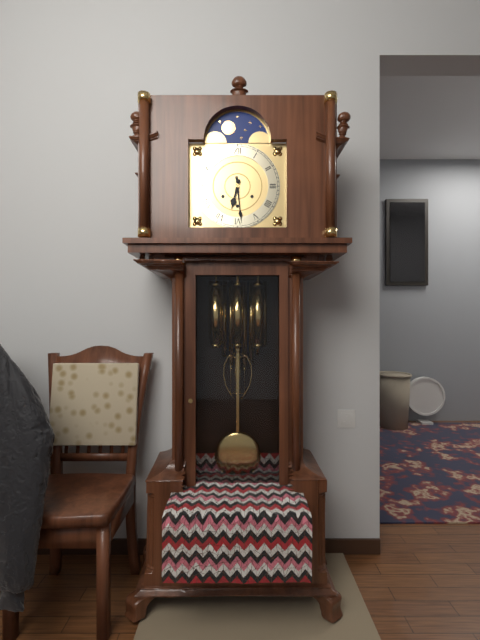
6:29
